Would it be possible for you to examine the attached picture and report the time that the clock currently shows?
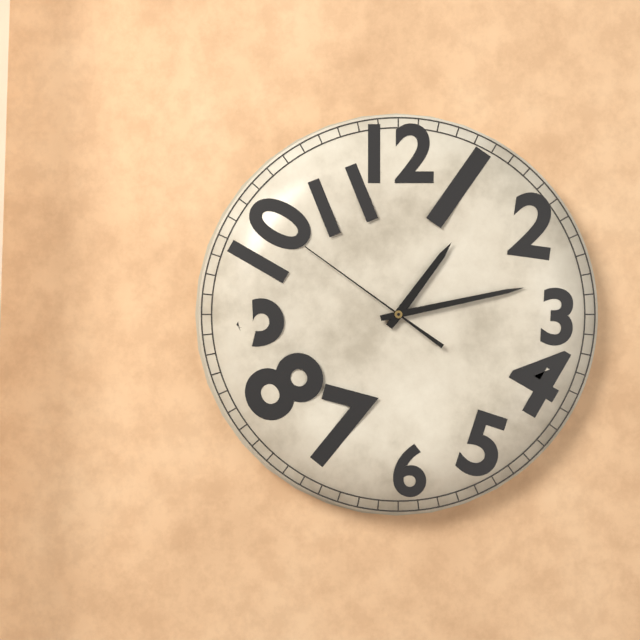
1:13:51
